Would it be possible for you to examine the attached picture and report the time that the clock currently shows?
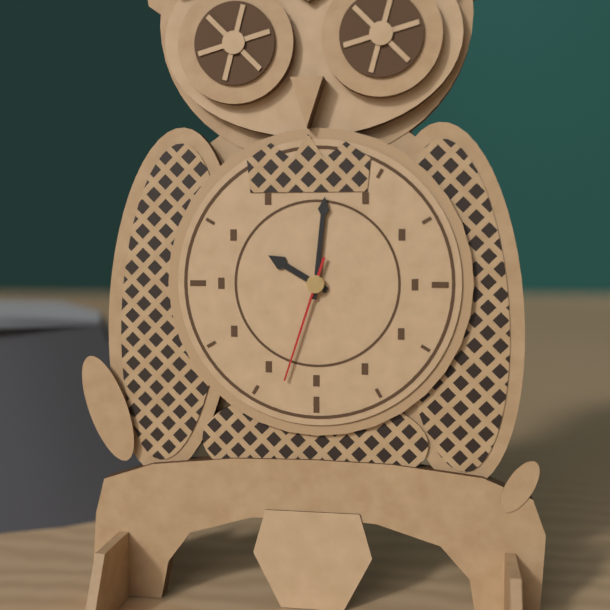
10:01:33
